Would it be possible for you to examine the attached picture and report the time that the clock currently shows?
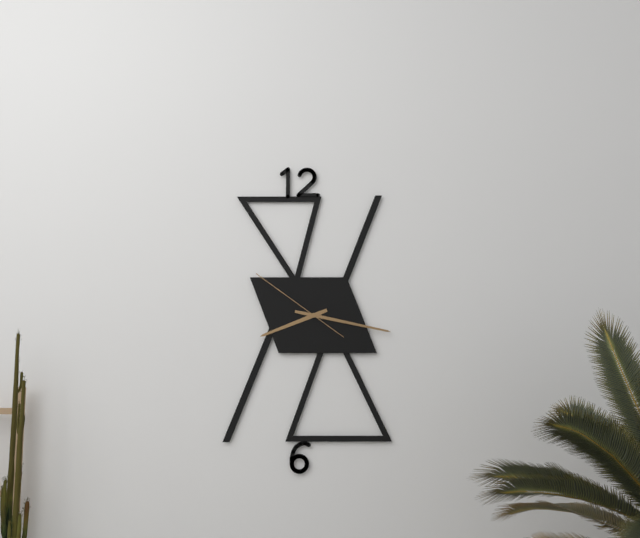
8:17:51
